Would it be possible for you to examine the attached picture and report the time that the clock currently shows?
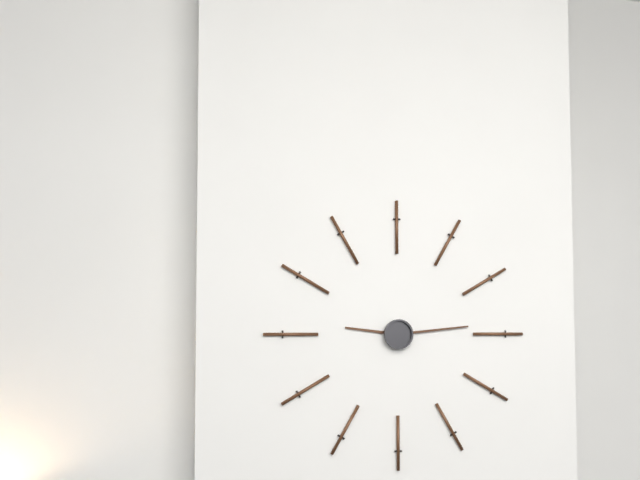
9:14
